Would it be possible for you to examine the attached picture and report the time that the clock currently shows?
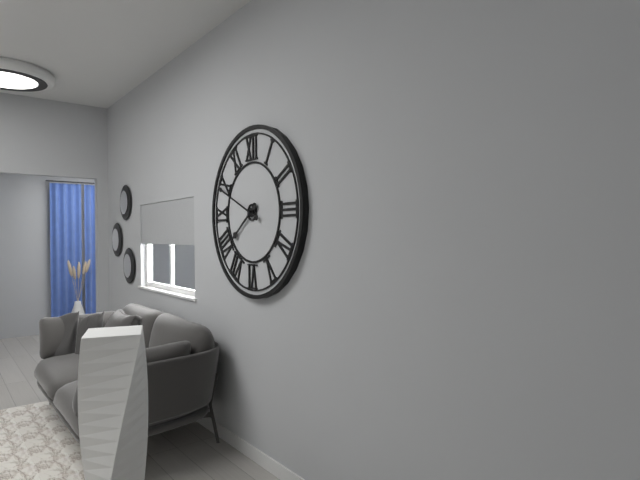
7:49
